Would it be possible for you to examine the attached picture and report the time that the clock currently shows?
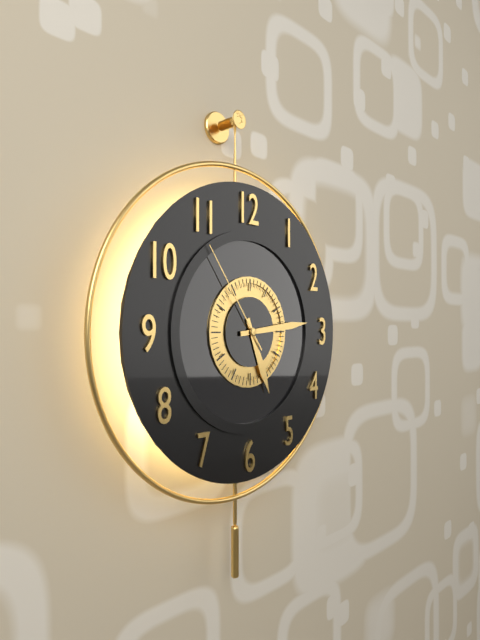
5:14:54
